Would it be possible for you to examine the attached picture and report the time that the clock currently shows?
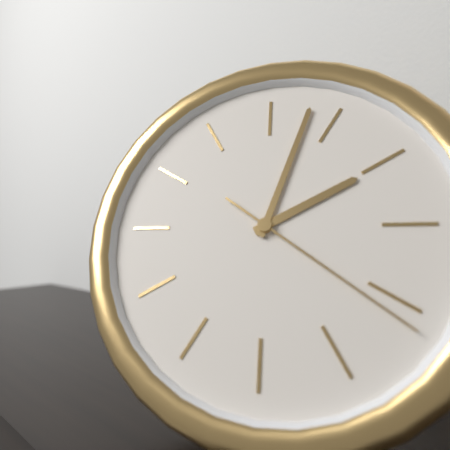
2:03:21
